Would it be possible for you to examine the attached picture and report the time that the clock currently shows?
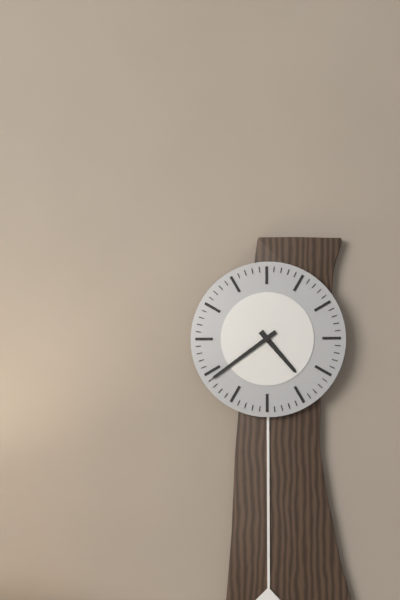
4:39
